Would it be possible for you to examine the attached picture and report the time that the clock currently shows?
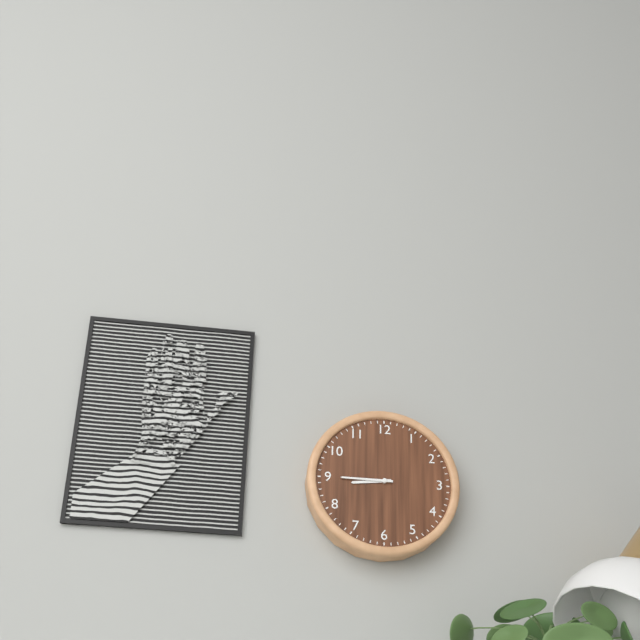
8:45
